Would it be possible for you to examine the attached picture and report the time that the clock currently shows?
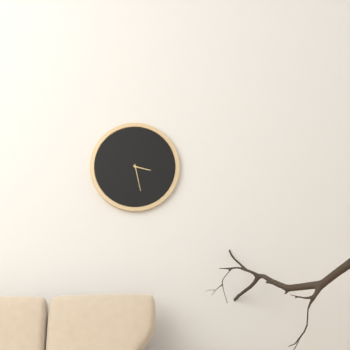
3:28
